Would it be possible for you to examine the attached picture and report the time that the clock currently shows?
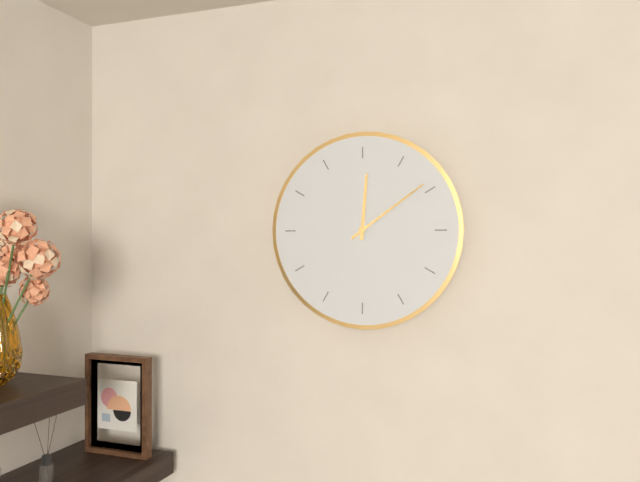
12:09
